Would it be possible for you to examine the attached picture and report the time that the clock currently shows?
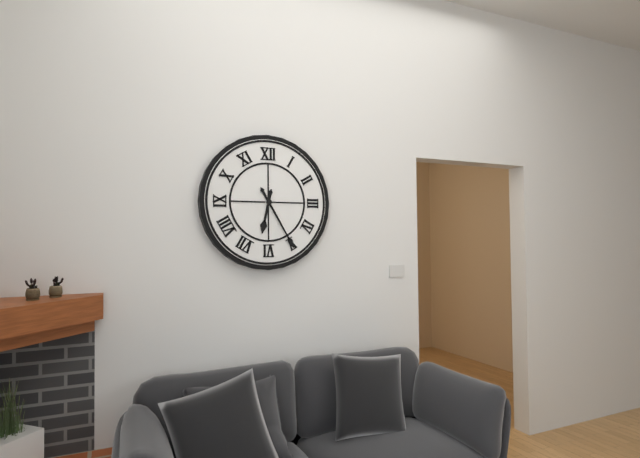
6:25
